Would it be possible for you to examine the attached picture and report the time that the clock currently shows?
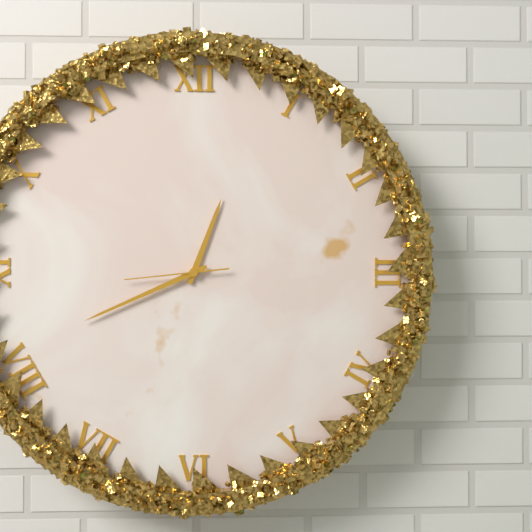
12:41:44
